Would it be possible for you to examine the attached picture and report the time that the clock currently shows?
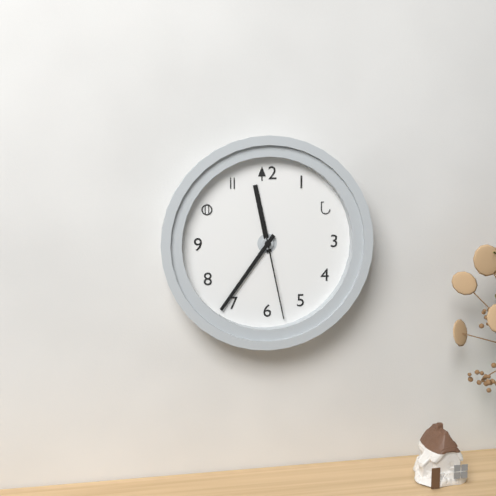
11:36:28
